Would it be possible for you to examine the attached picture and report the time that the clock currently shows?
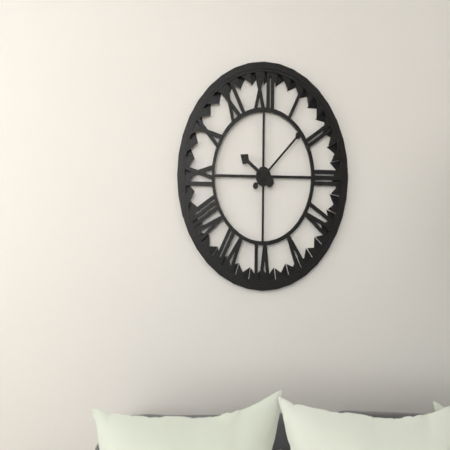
10:08
